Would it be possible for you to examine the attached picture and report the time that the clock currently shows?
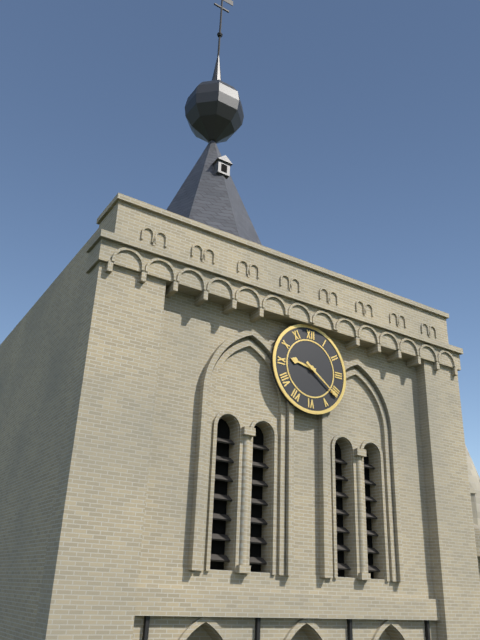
9:21
